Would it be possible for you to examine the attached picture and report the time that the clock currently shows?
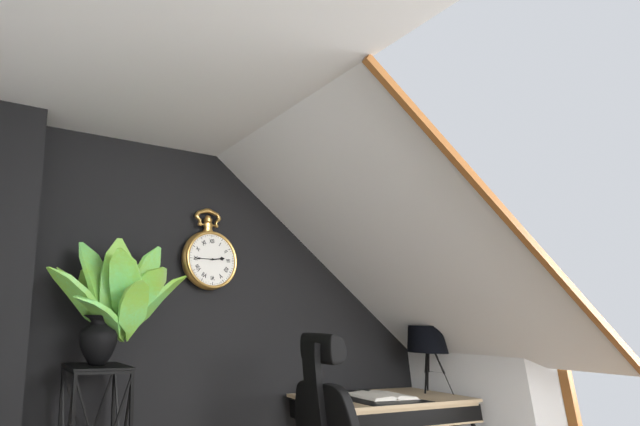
2:45
